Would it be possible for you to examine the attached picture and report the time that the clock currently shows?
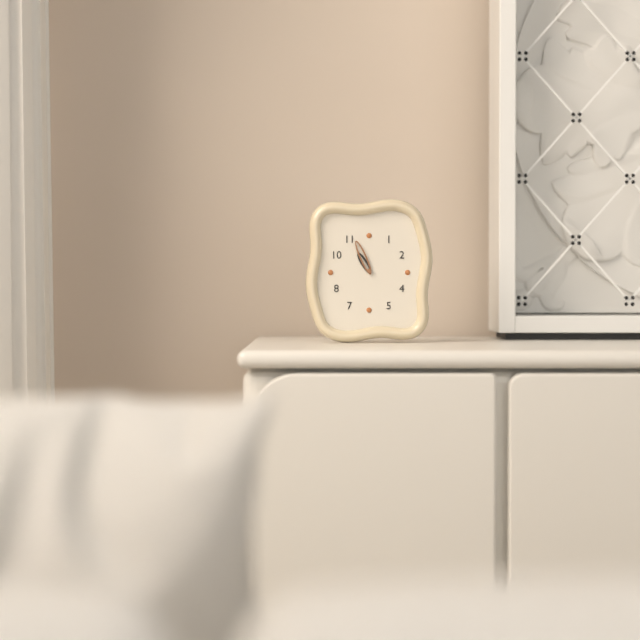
10:56
